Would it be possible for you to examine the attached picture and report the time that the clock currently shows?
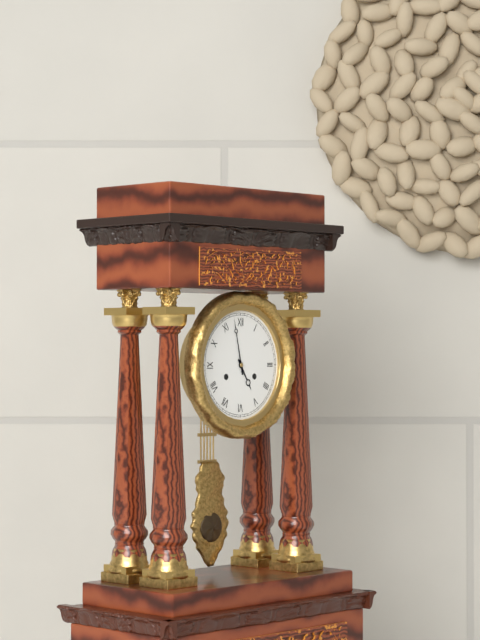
4:58
